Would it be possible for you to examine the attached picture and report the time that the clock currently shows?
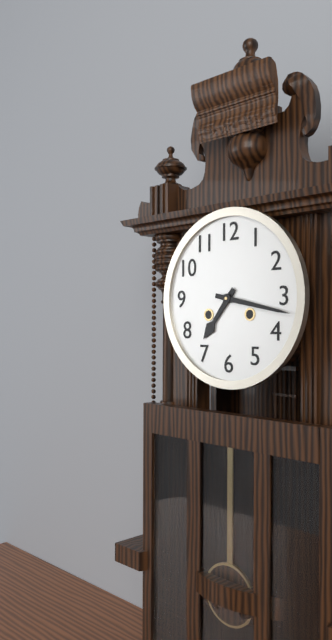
7:17
